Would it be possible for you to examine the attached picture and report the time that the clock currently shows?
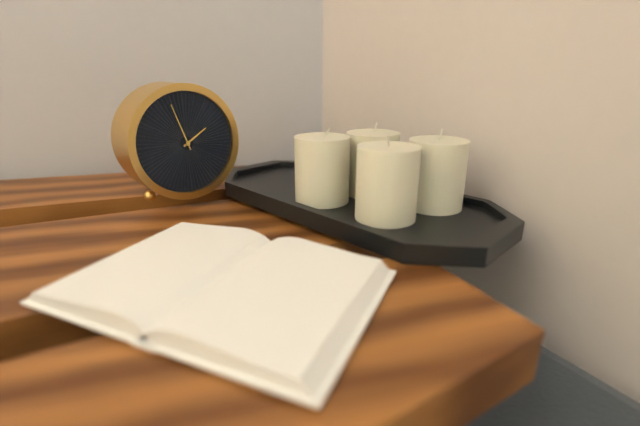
1:57
